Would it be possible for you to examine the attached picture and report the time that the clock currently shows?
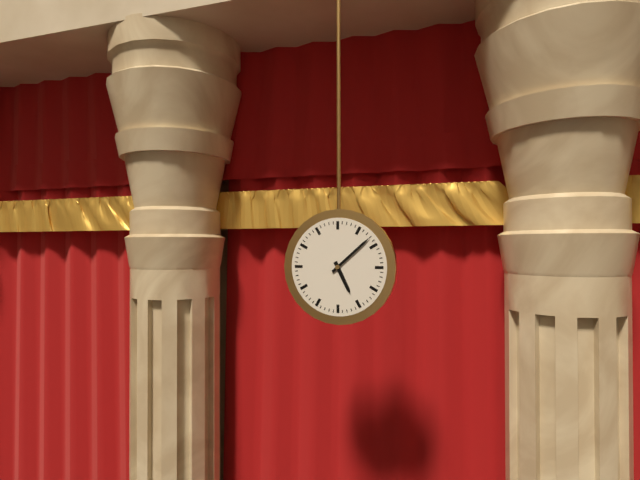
5:08
